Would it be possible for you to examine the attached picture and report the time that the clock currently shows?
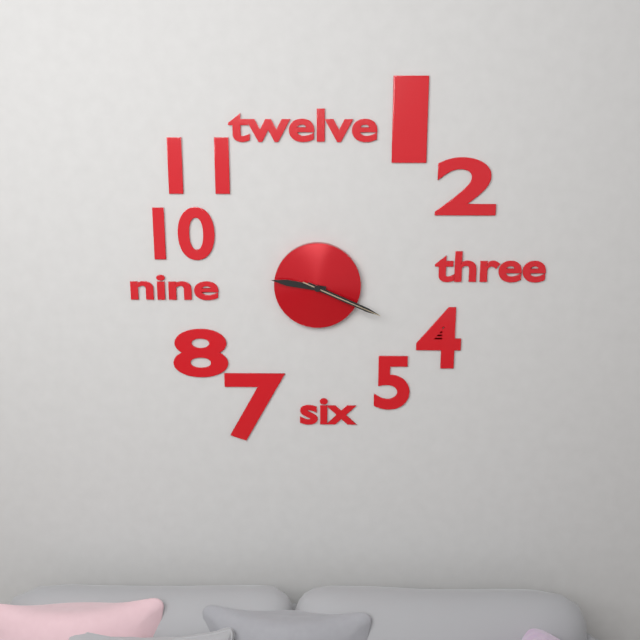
9:19:19
